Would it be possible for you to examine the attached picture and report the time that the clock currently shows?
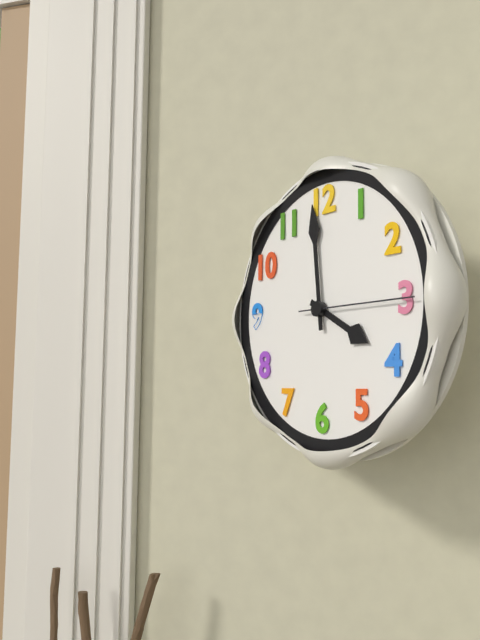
3:59:15
